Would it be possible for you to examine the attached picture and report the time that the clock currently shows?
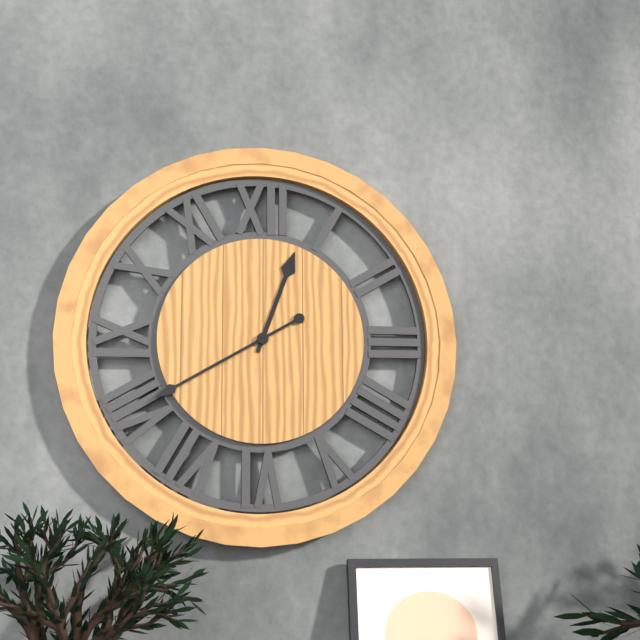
12:40
